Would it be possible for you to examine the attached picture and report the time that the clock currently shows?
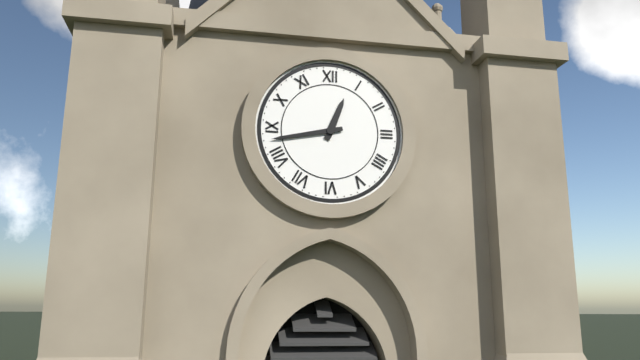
12:43
